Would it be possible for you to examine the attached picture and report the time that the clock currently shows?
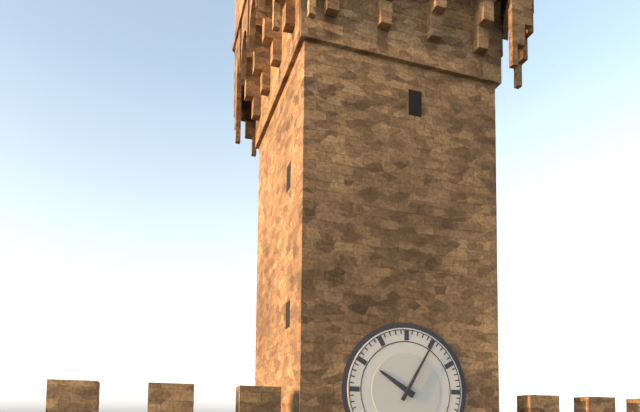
10:05
